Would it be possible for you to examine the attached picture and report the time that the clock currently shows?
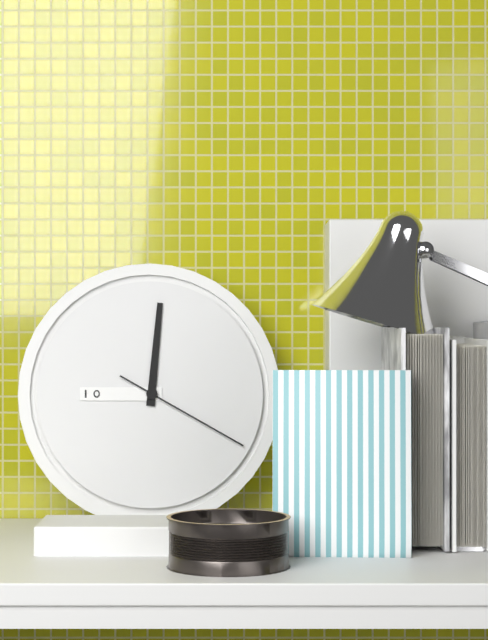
9:01:20
